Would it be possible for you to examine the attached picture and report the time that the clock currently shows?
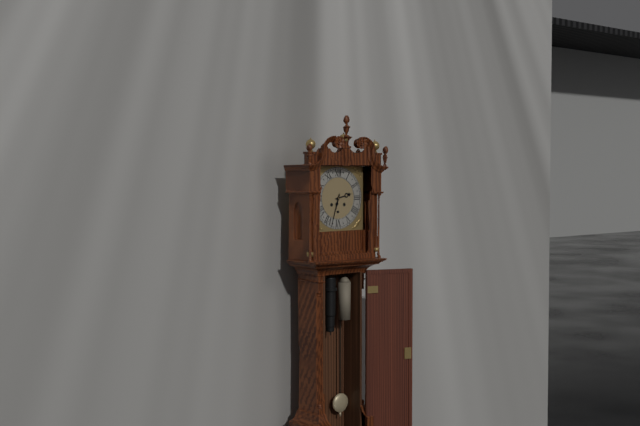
2:33
